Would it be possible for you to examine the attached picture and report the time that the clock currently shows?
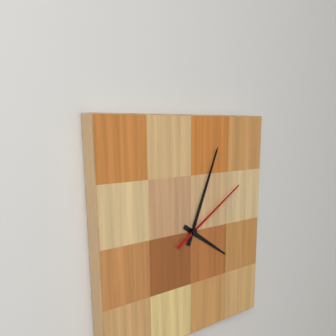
4:04:10
